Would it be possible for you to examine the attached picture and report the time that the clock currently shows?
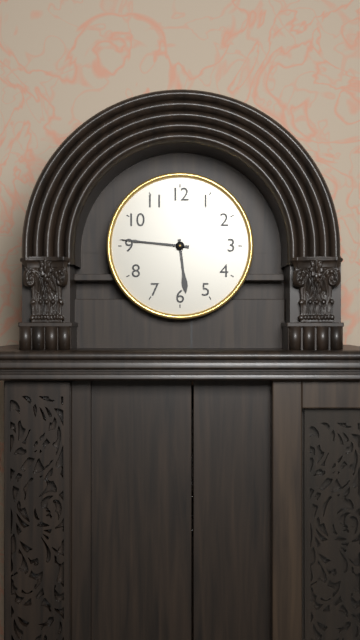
5:46
